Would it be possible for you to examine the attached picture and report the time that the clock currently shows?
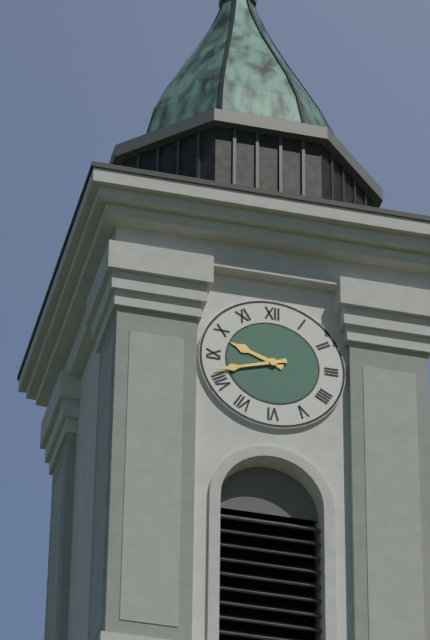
9:42
